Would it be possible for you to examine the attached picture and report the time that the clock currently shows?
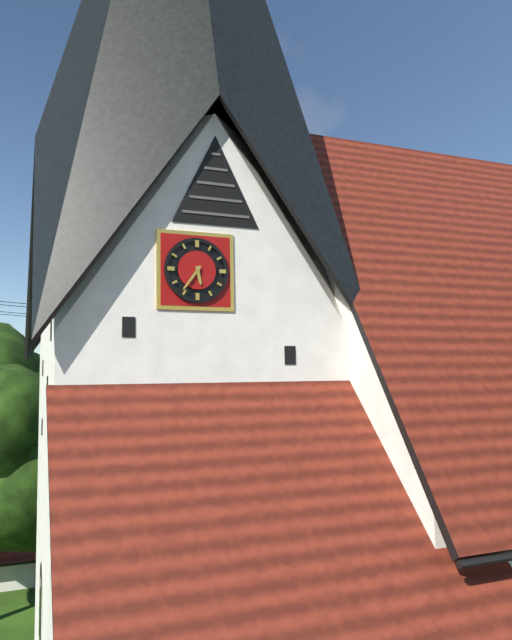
5:36
